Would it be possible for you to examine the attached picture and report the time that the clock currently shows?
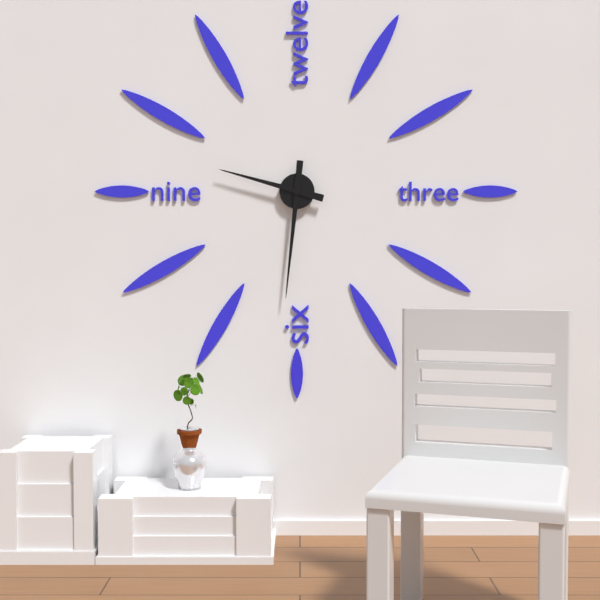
9:31
